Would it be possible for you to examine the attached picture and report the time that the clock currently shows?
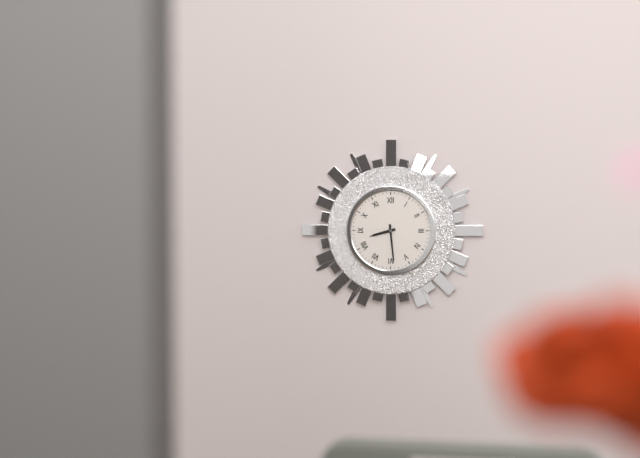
8:29
